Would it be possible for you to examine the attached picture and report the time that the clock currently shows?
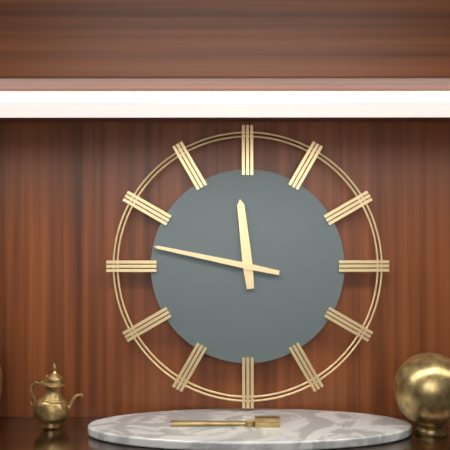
11:47
